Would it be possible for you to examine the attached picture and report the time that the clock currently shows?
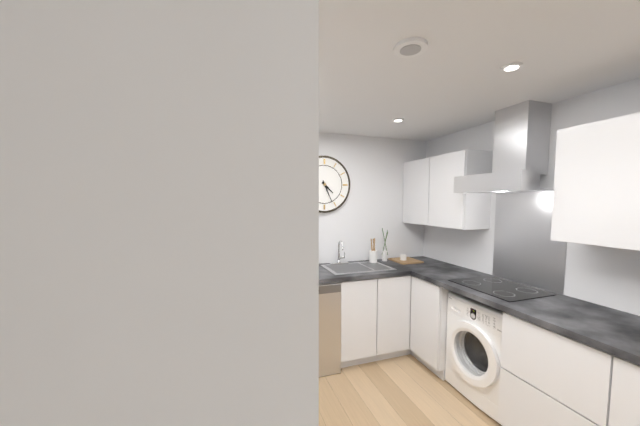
4:26
